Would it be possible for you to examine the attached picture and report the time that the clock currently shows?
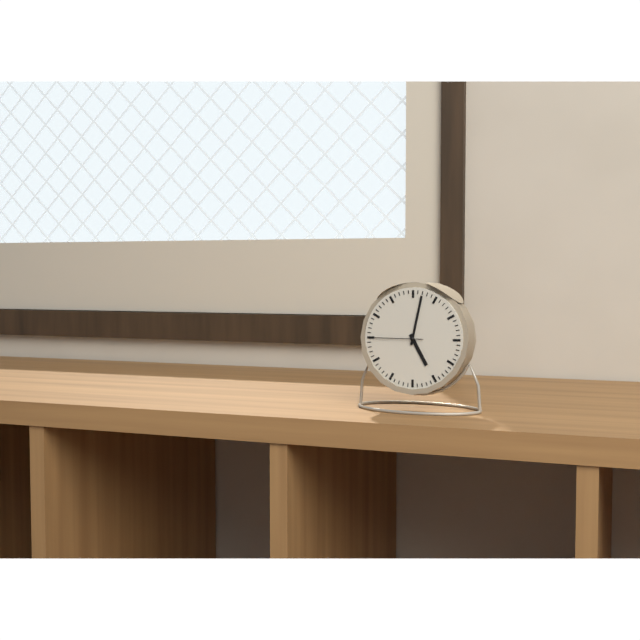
5:02:45
